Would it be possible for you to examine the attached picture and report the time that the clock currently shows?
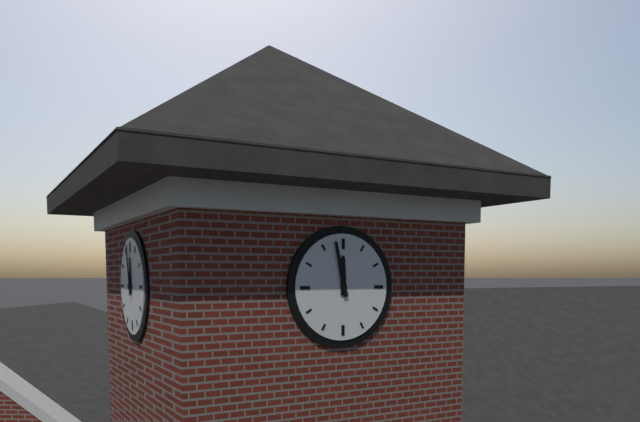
11:58
